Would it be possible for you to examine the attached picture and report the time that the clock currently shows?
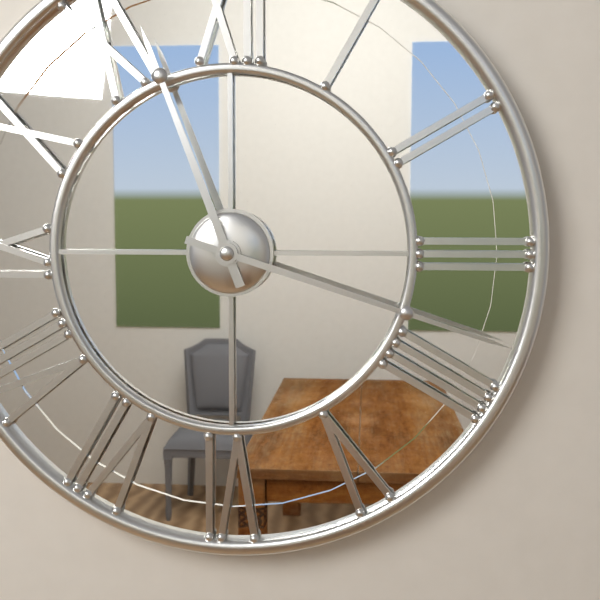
11:18
